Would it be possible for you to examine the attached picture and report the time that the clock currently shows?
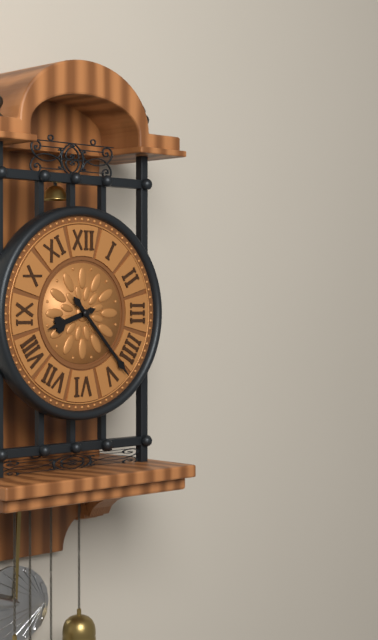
8:23
